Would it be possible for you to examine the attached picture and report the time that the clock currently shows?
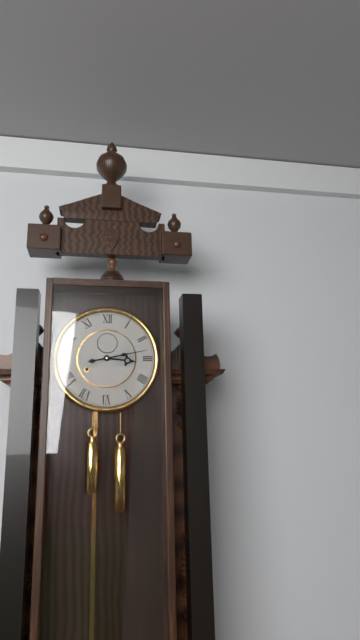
3:13
